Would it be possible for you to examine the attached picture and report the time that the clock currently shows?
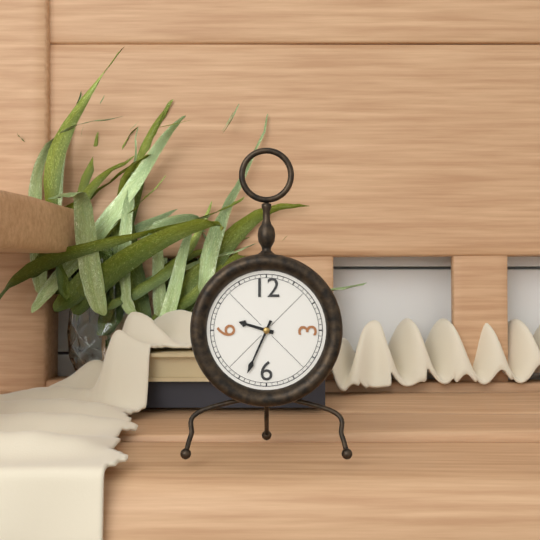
9:34
